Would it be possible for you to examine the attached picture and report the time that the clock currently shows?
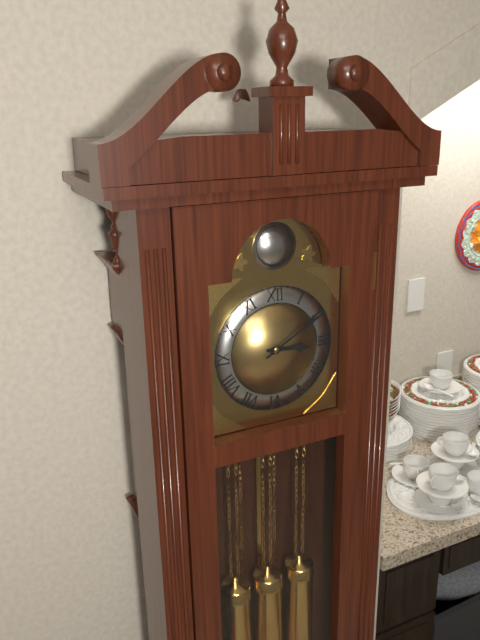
3:10
